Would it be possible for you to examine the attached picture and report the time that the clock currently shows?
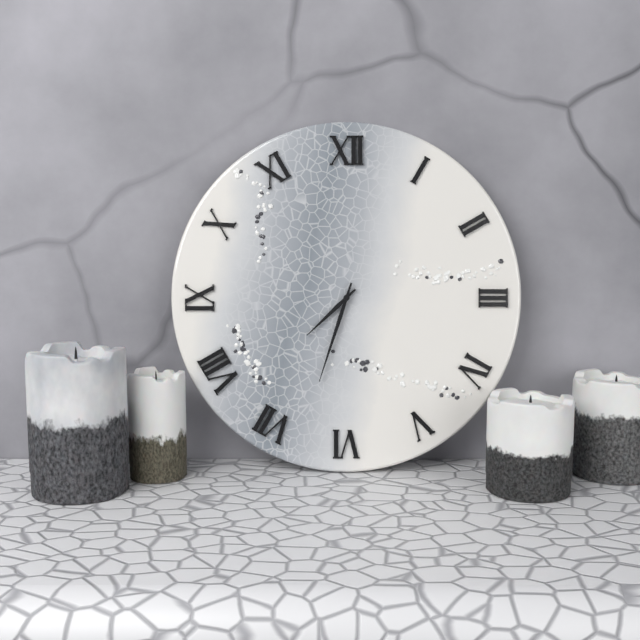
7:33
